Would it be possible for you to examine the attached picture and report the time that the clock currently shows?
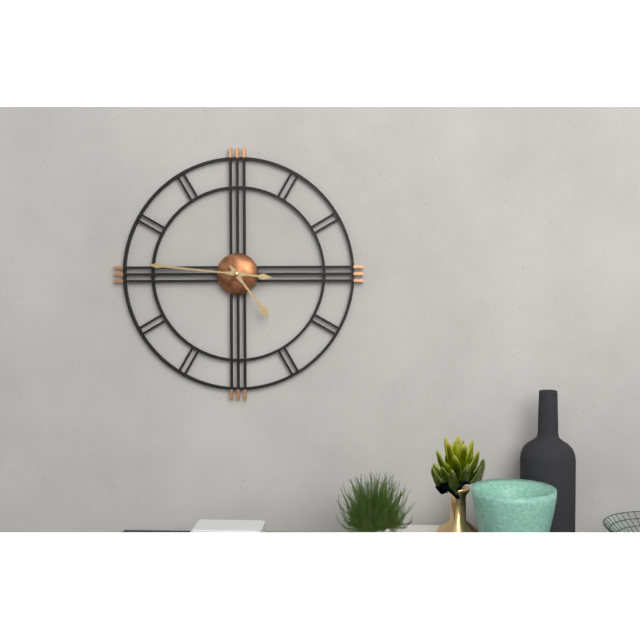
4:46
